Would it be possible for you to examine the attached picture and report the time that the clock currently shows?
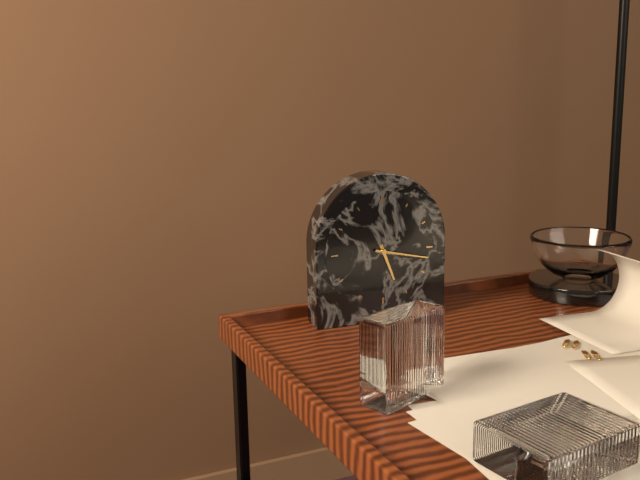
5:17
